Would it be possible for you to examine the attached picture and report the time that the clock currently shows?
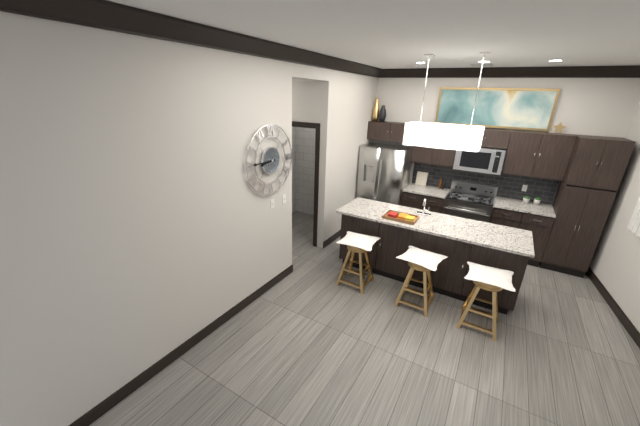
8:45
